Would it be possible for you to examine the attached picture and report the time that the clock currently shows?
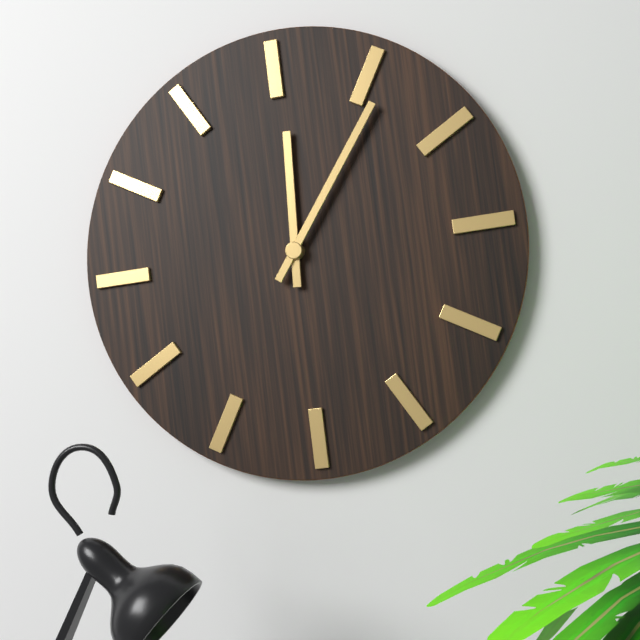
12:06
